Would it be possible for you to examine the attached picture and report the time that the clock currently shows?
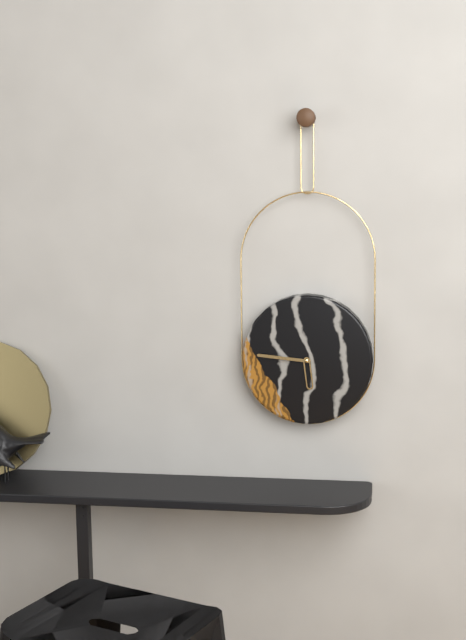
5:46
